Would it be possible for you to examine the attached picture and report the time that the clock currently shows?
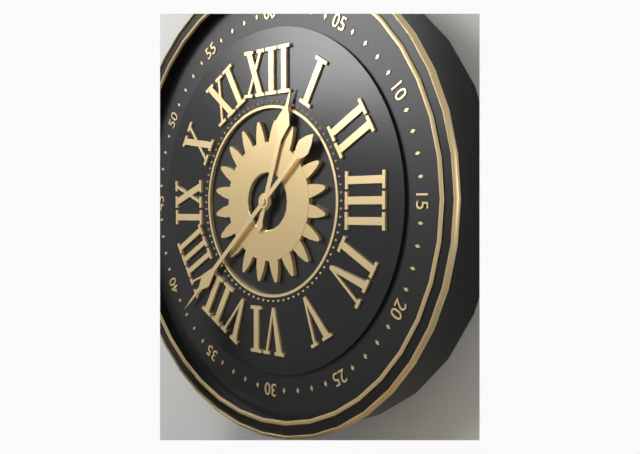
12:38
